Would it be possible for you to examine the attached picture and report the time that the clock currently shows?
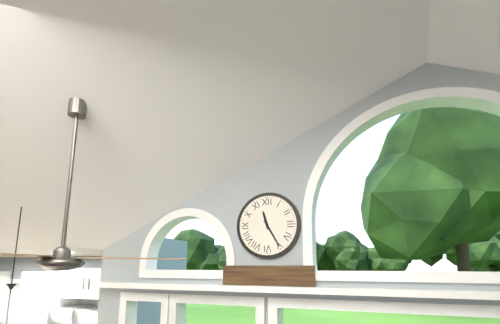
11:25
